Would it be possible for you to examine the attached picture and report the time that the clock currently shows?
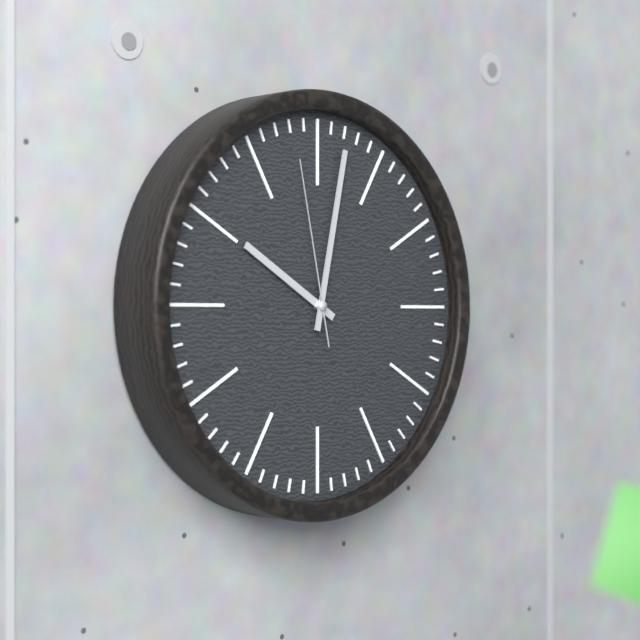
10:02:58
